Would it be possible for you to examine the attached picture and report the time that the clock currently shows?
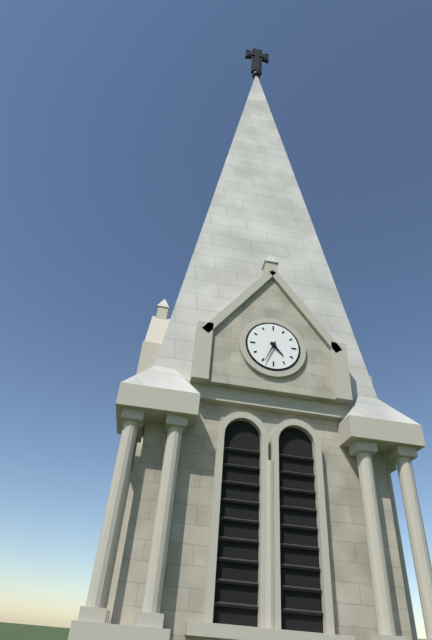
4:34
